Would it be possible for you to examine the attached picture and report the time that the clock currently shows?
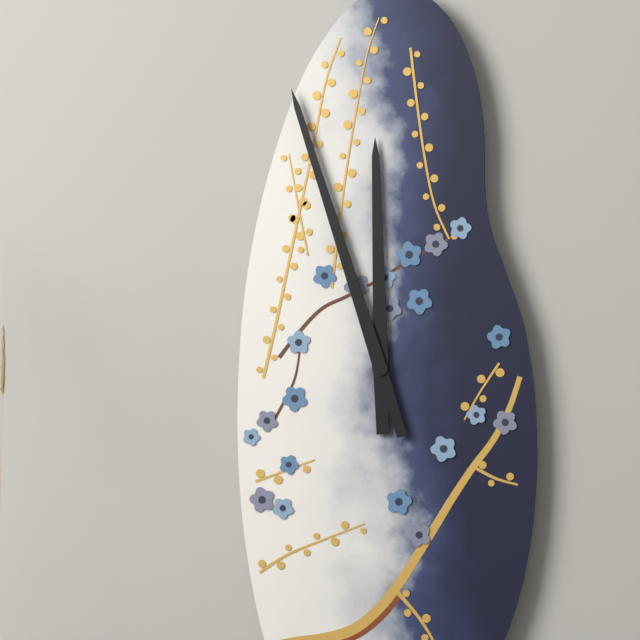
11:57
